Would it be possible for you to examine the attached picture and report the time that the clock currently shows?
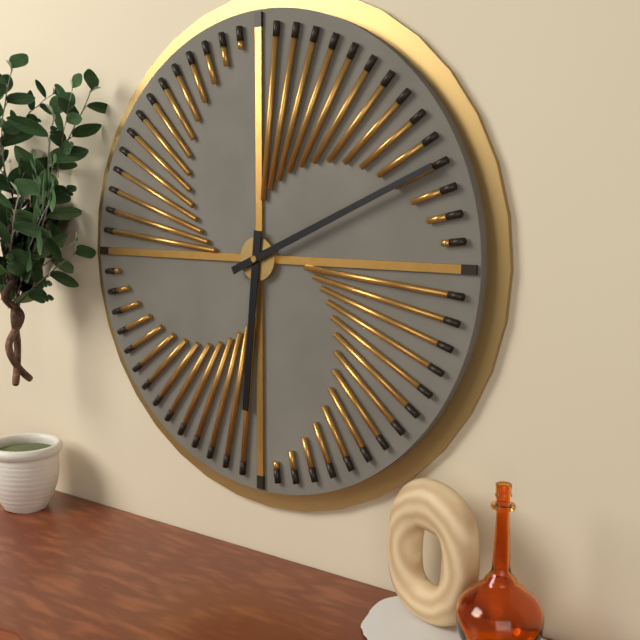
6:11
